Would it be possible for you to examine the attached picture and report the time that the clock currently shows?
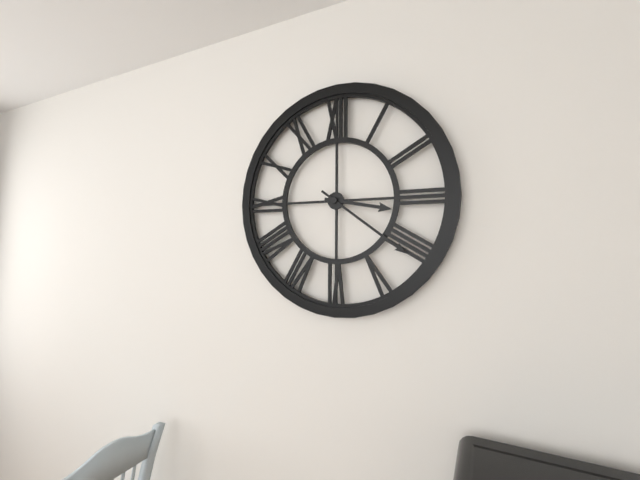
3:21
